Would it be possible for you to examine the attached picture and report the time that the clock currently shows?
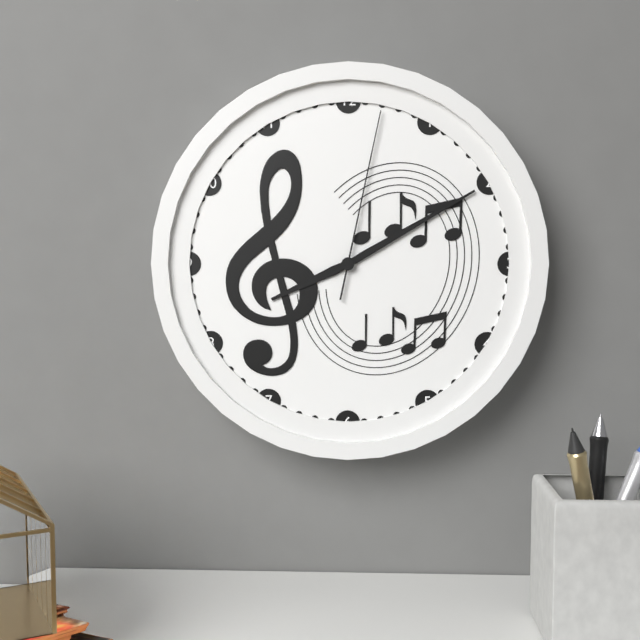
8:10:02
